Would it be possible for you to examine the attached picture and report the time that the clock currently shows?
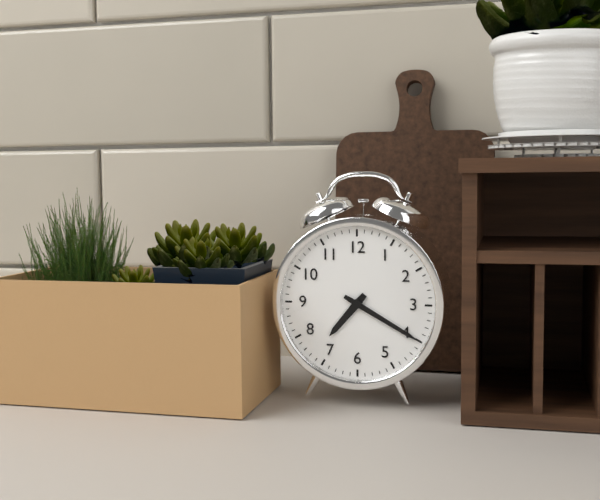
7:20
